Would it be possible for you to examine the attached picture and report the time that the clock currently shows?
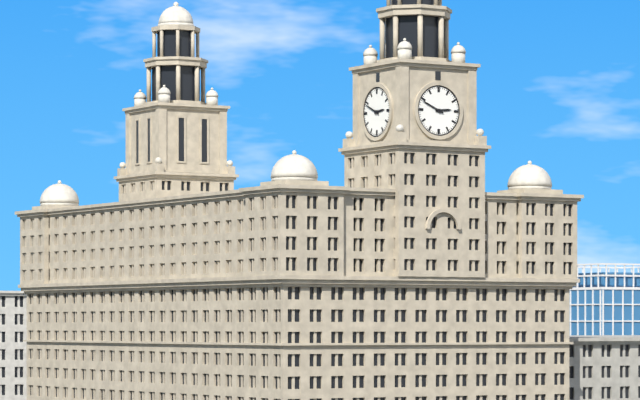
2:49
